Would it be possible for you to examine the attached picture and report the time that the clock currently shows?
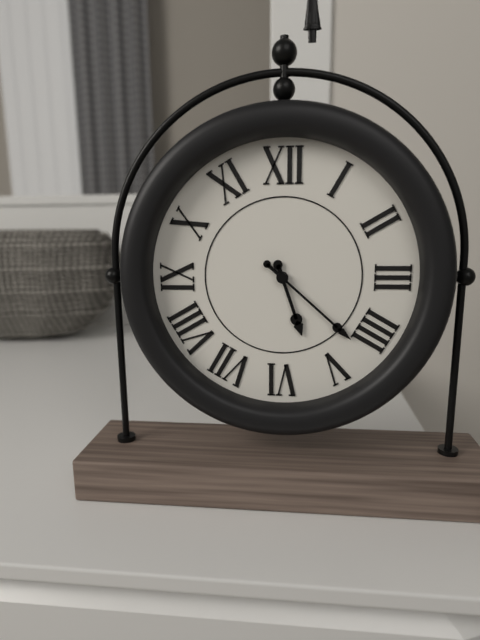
5:22
